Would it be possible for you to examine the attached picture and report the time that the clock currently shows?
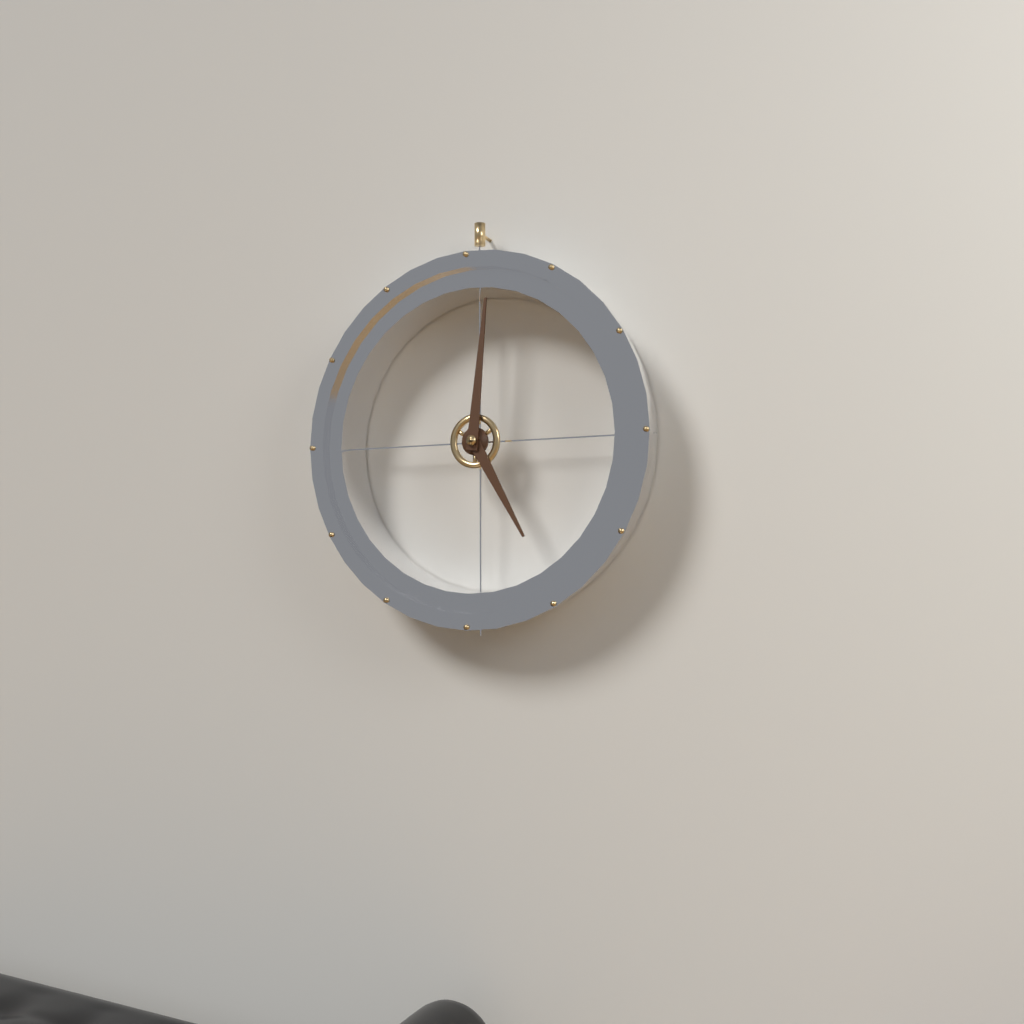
5:01
